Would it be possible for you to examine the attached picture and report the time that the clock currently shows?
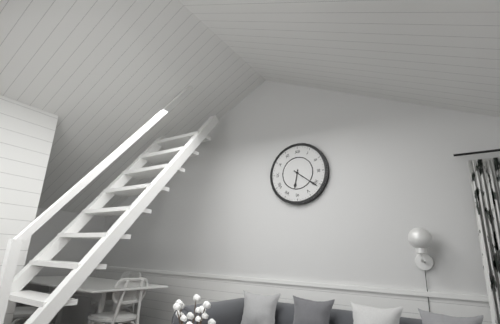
6:21
